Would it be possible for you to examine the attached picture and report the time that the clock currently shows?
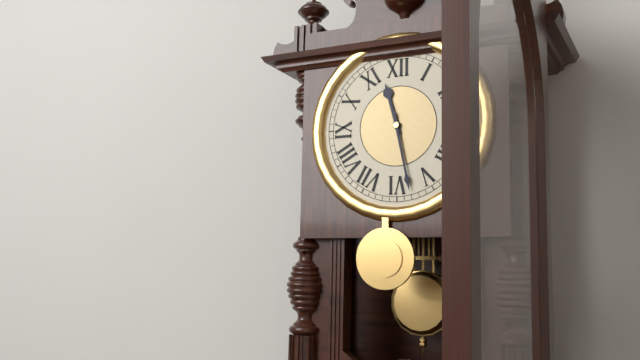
11:28
